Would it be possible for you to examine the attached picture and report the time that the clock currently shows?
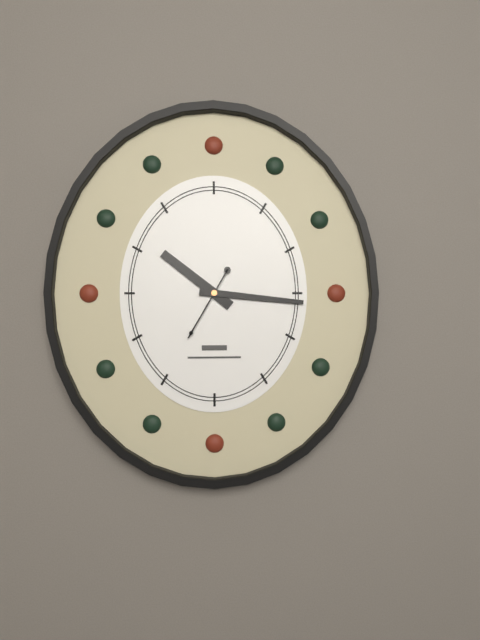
10:16:35
